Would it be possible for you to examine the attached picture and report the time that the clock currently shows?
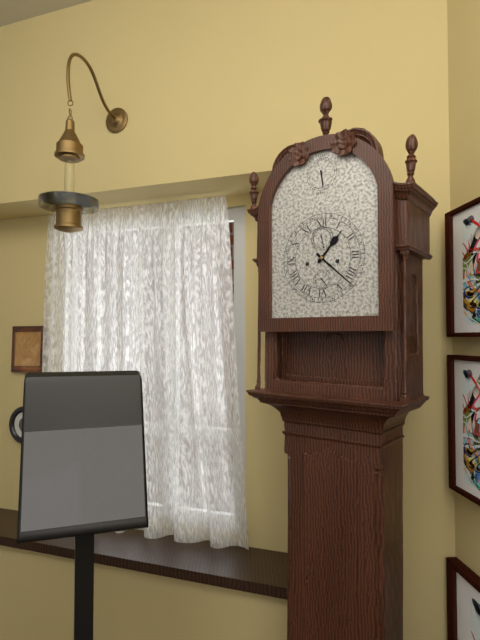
1:22
